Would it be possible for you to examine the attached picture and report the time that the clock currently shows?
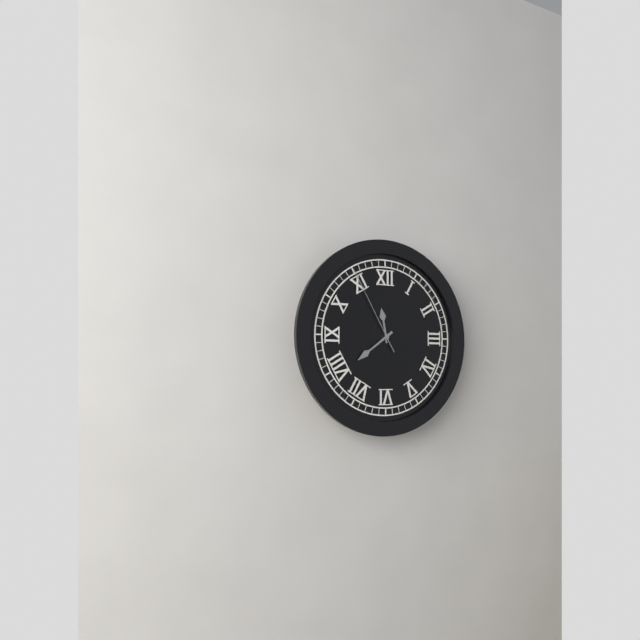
11:39:55
